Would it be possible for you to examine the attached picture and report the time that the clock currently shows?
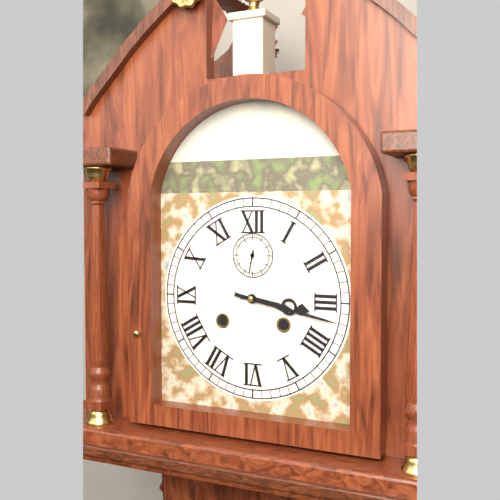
3:17
